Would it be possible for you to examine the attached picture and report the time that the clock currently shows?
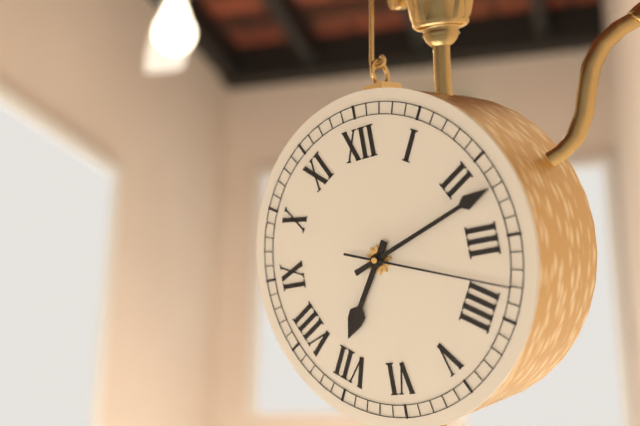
7:12:18
